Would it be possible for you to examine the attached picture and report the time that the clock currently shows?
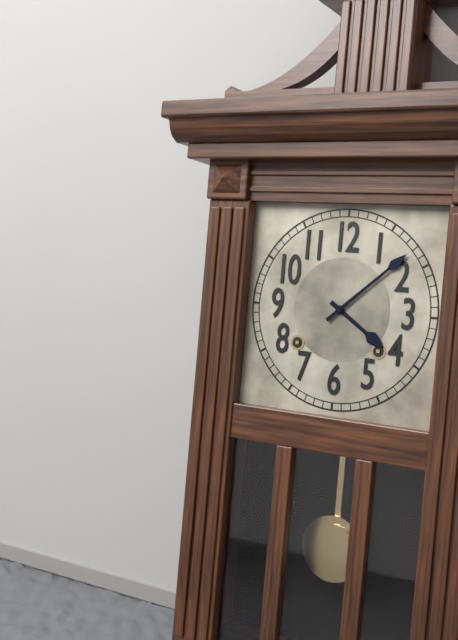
4:08
